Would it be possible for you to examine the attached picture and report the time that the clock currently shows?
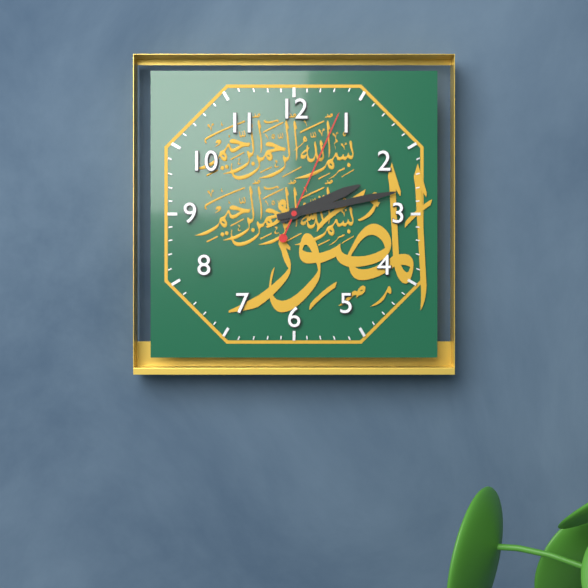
2:13:04
